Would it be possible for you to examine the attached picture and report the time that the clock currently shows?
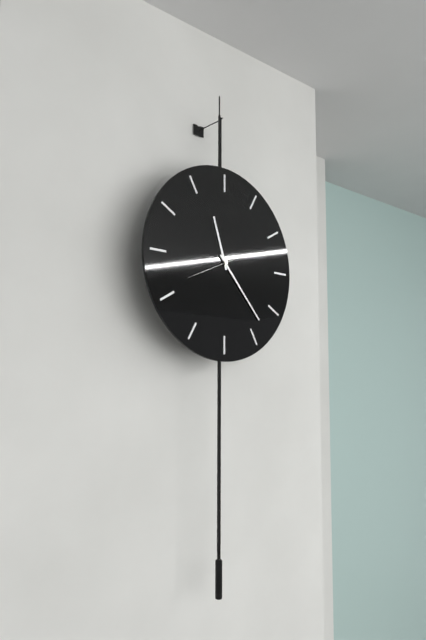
11:23:41
